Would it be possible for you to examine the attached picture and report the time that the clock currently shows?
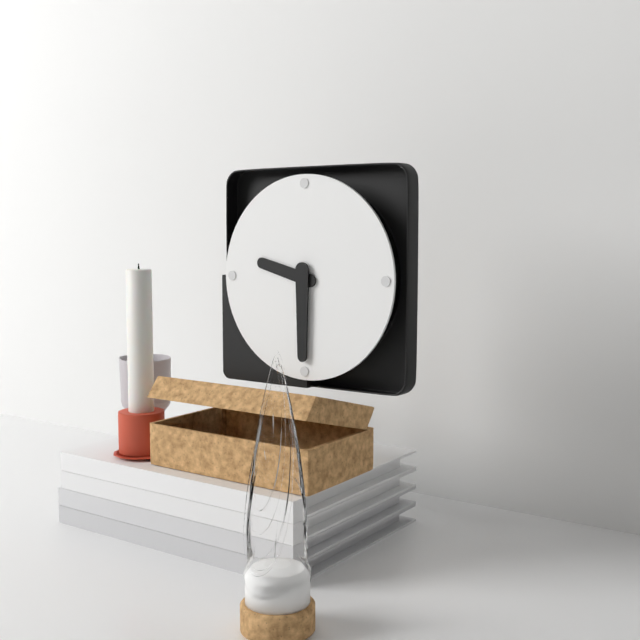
9:30
